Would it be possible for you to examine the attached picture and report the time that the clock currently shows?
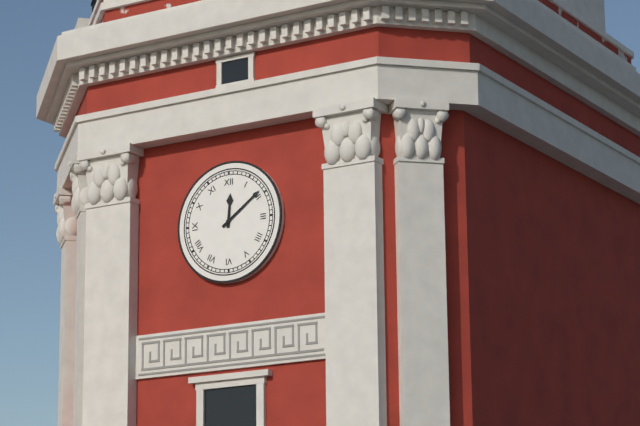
12:09
